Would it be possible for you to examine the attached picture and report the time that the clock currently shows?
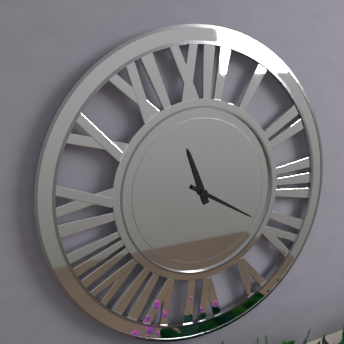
11:20
